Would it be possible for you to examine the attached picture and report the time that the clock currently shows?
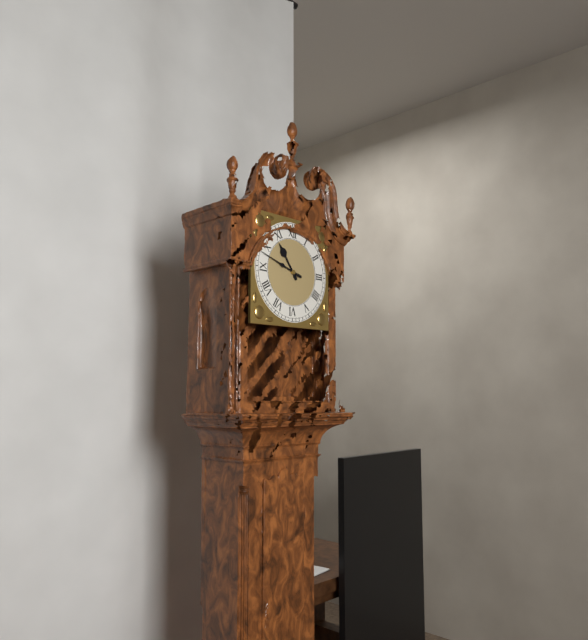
10:48
